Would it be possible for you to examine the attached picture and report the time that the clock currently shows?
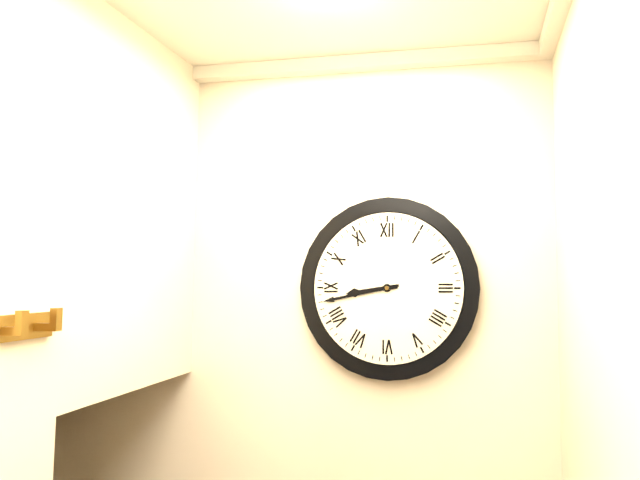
8:43
